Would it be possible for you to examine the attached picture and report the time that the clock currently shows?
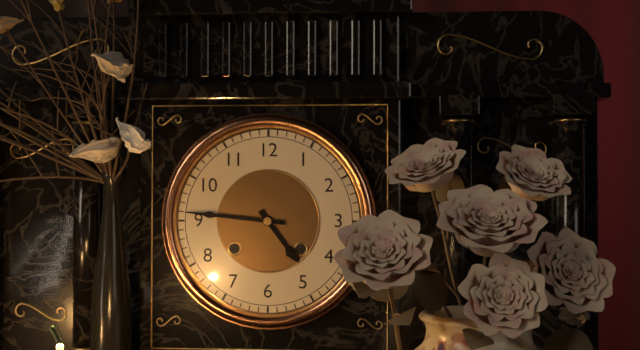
4:46
